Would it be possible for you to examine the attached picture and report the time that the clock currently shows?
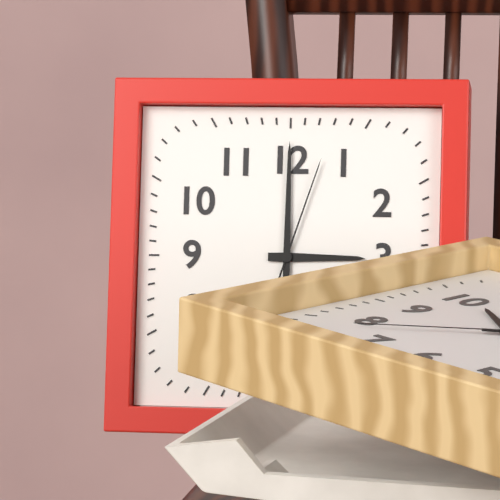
3:00:03
